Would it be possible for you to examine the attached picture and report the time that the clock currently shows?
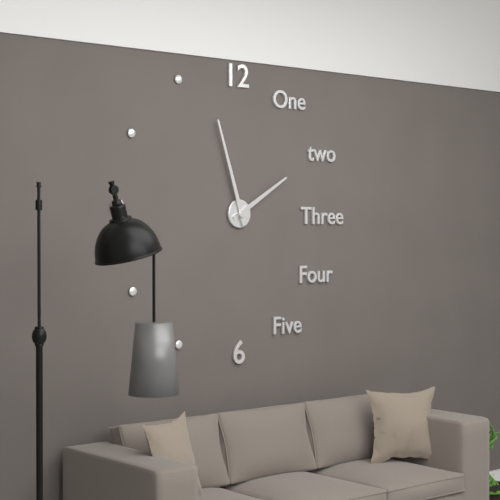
1:57
